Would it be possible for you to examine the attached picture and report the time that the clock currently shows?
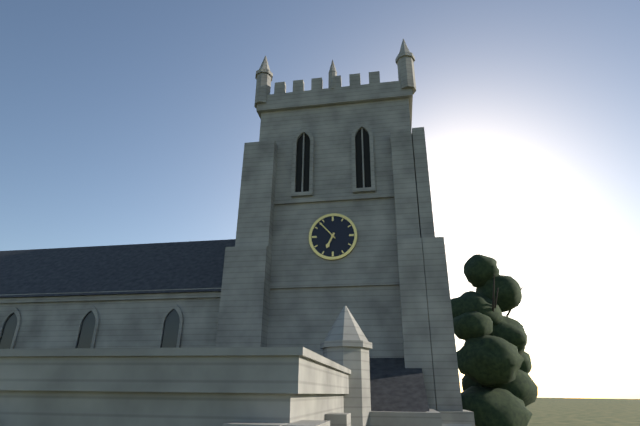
6:53
